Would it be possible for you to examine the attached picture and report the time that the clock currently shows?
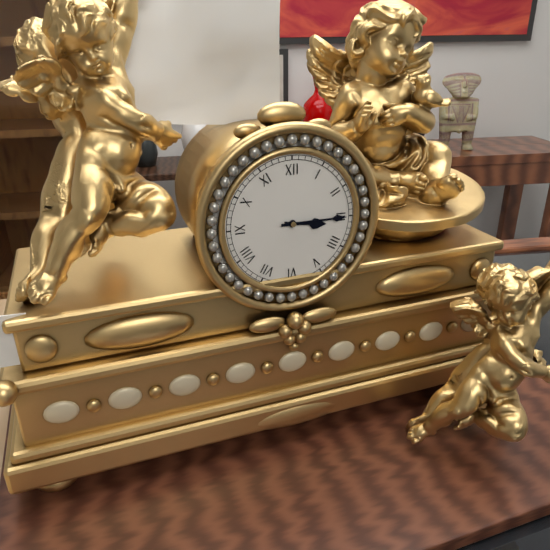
3:15
